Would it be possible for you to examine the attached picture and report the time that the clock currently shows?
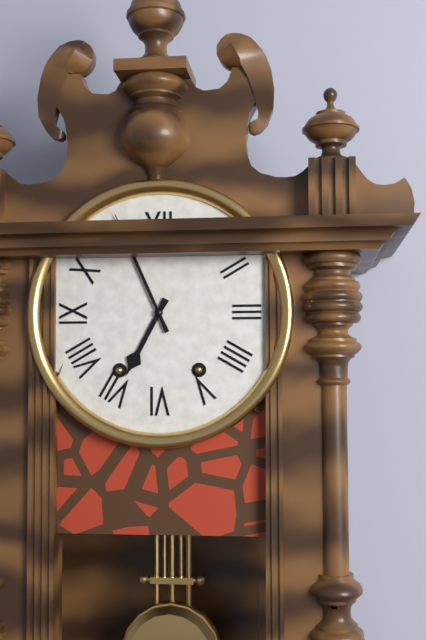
6:56
